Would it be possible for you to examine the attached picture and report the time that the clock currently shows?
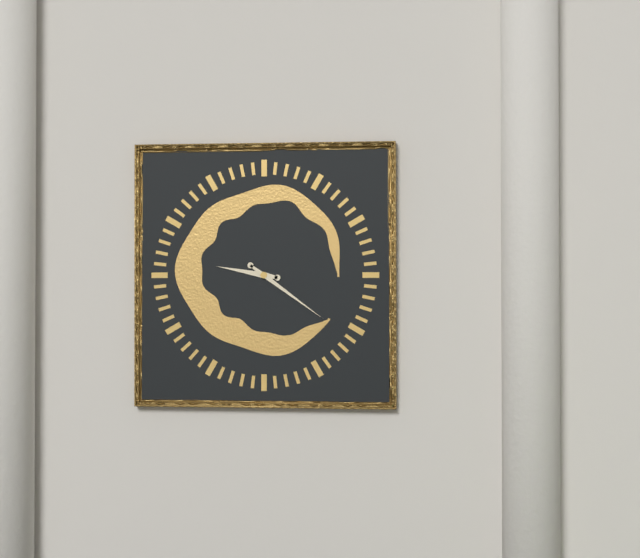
9:21
